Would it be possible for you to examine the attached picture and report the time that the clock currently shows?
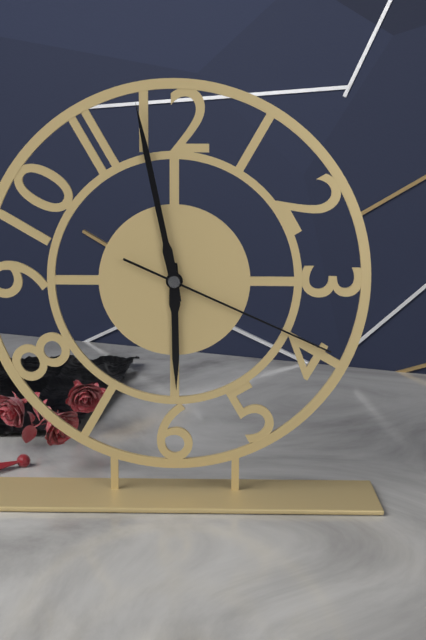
5:58:19
